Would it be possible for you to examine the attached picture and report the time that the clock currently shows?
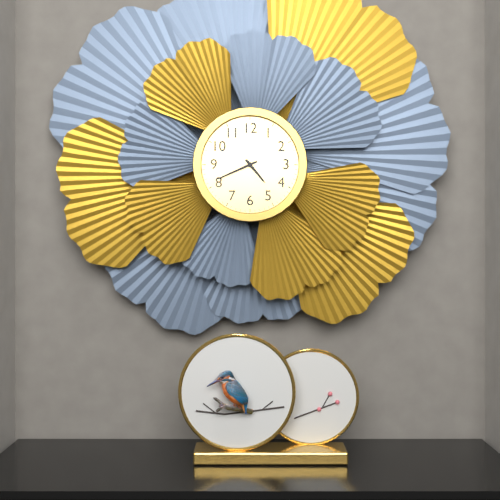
4:41
